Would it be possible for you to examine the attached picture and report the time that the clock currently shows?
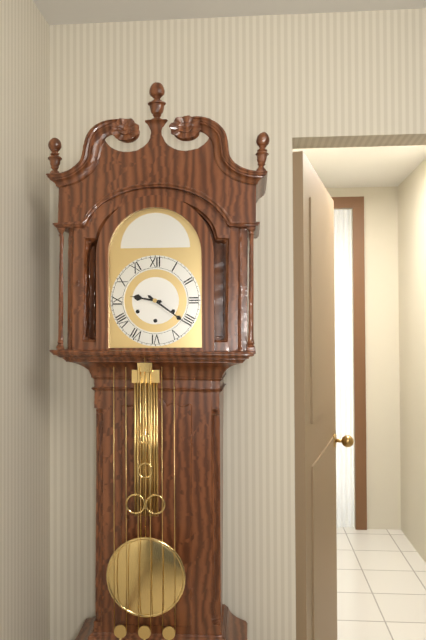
9:21
